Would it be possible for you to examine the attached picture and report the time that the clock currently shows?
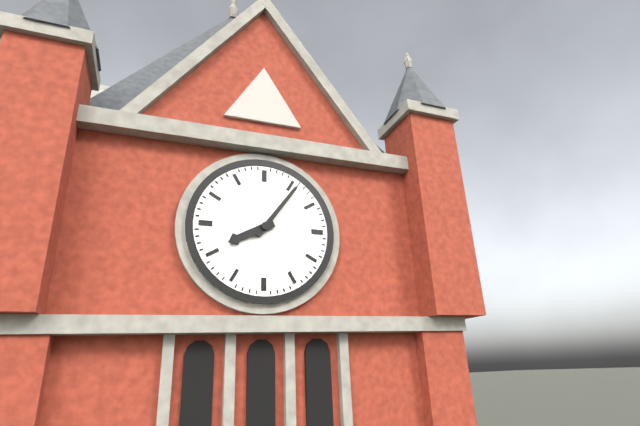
8:06
